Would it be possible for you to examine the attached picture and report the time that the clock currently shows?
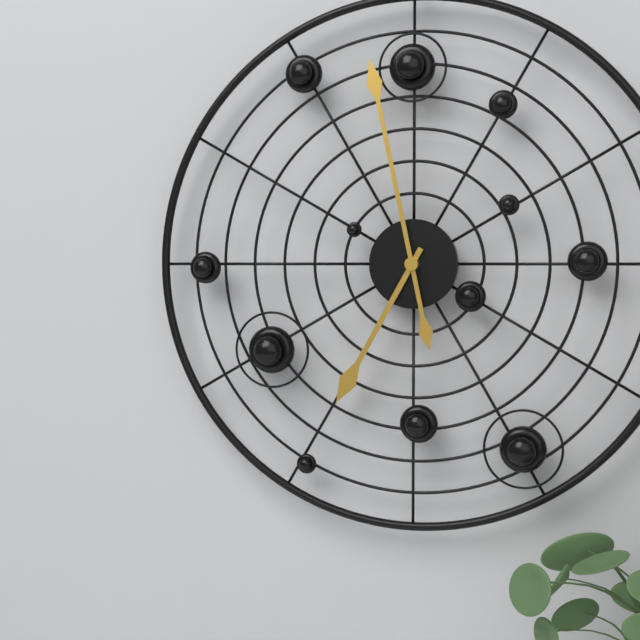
6:58
